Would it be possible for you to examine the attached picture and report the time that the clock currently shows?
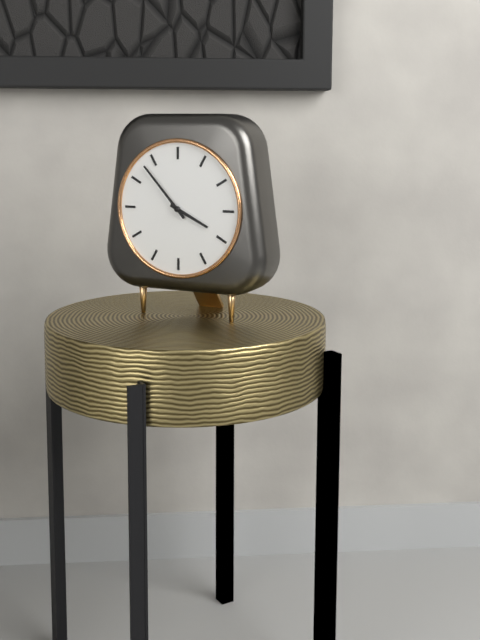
3:53
